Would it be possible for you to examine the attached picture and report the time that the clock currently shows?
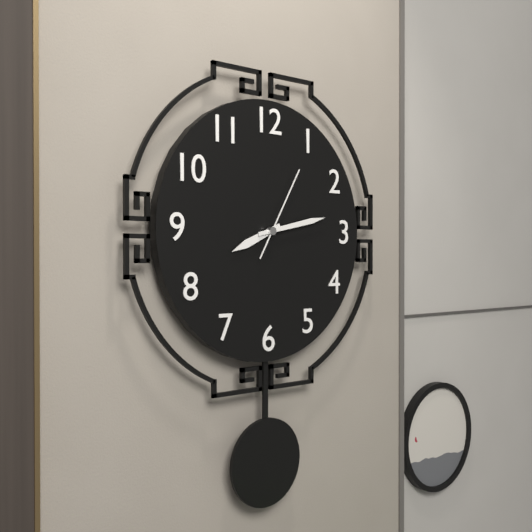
8:13:05
